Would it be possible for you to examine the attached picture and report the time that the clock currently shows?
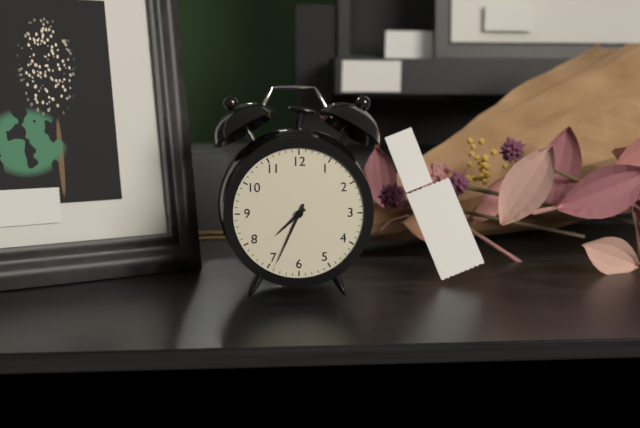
7:34
